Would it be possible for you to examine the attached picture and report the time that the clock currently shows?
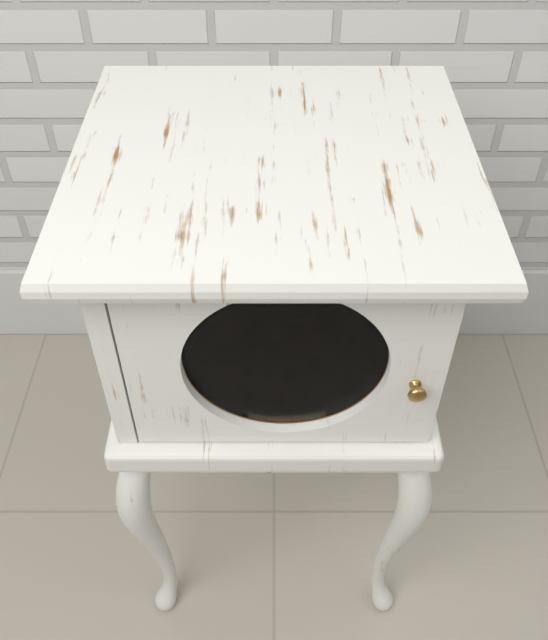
9:03:08
